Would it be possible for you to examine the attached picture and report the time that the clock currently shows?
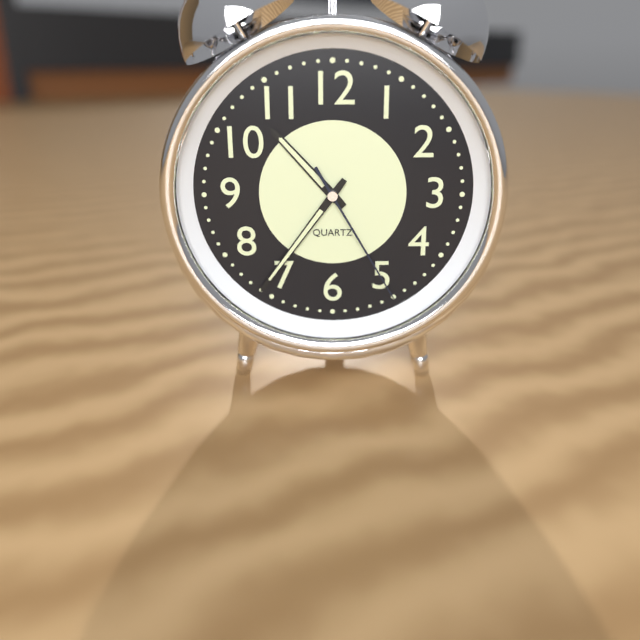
10:36:25
